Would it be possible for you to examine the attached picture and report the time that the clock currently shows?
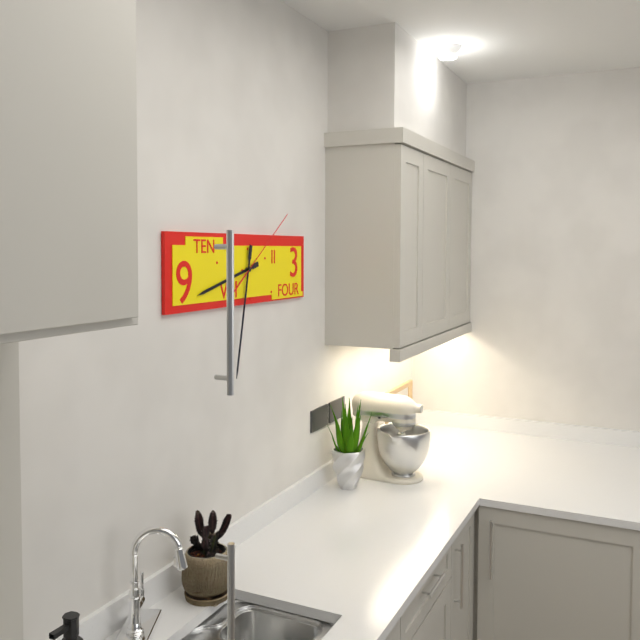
8:32:09
